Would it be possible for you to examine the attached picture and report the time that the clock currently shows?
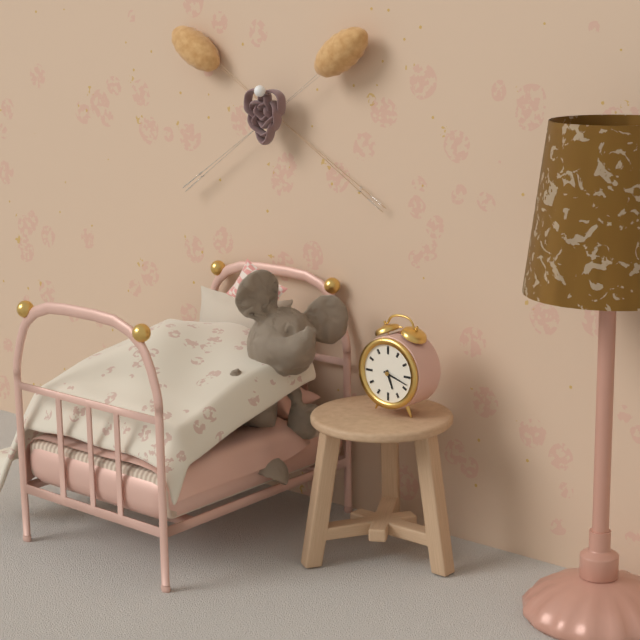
5:18
